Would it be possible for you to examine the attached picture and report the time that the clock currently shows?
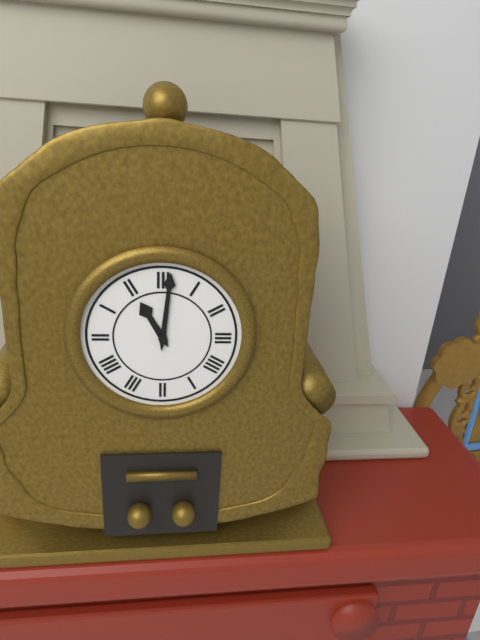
11:01
